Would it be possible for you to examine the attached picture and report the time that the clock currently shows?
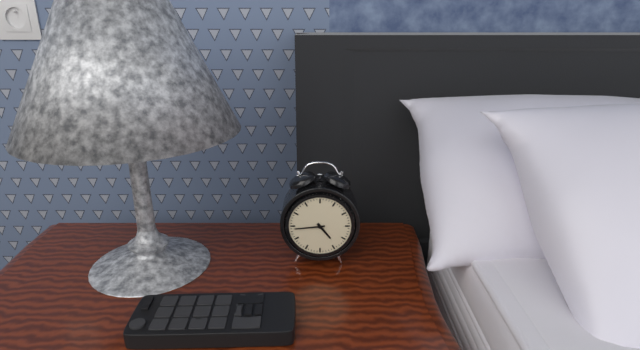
4:44
